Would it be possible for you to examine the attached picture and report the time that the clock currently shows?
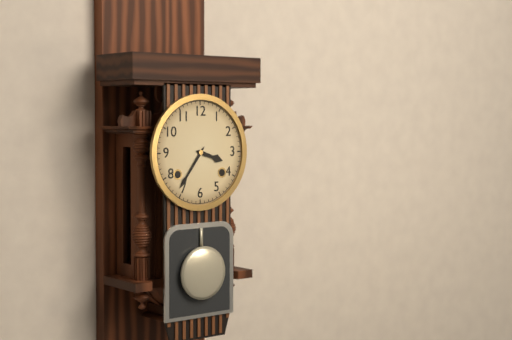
3:36
